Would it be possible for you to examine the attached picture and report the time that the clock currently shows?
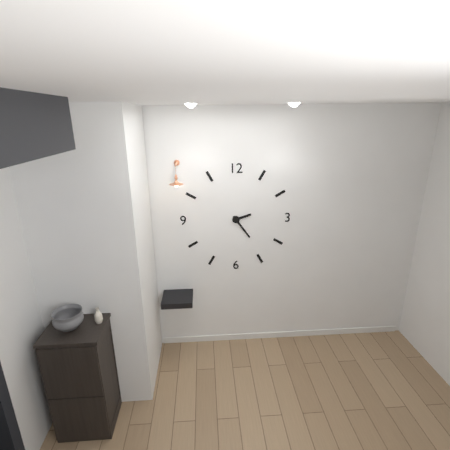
2:24
